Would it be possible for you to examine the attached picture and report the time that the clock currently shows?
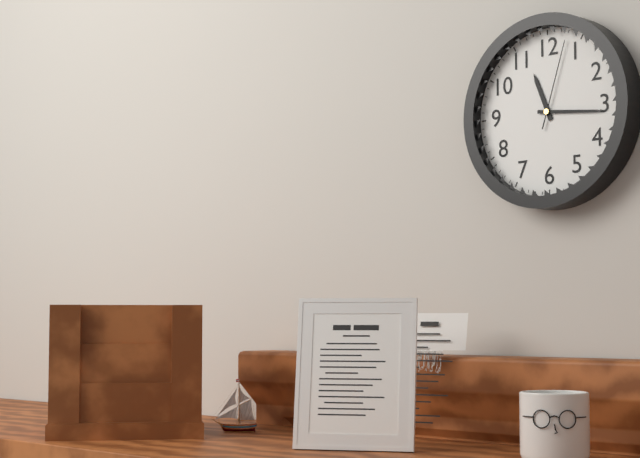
11:16:03
